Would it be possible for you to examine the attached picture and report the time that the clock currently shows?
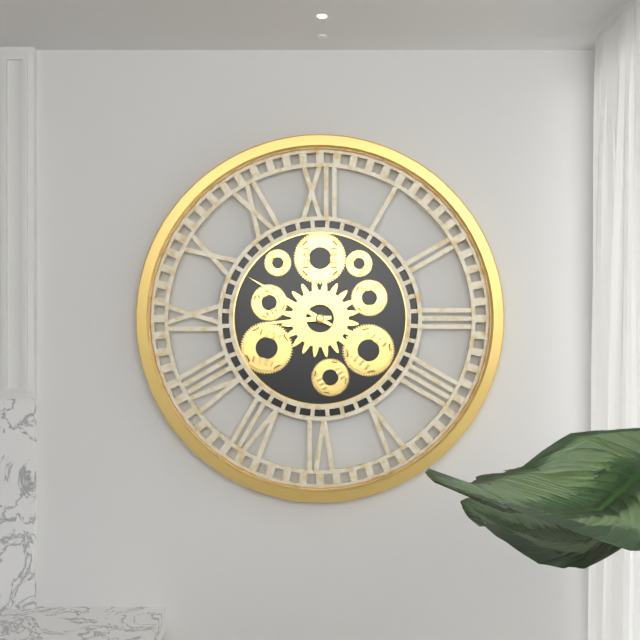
8:50
